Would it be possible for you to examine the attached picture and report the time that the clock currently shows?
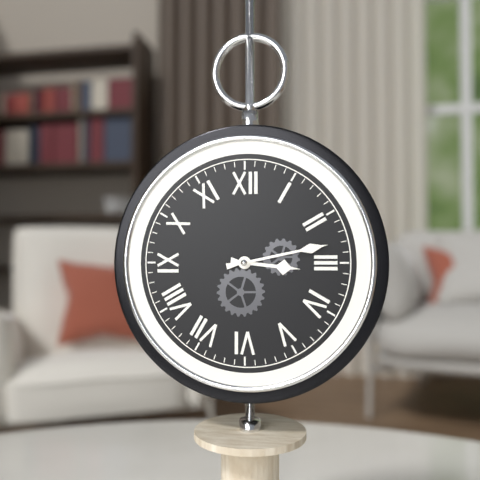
3:13
